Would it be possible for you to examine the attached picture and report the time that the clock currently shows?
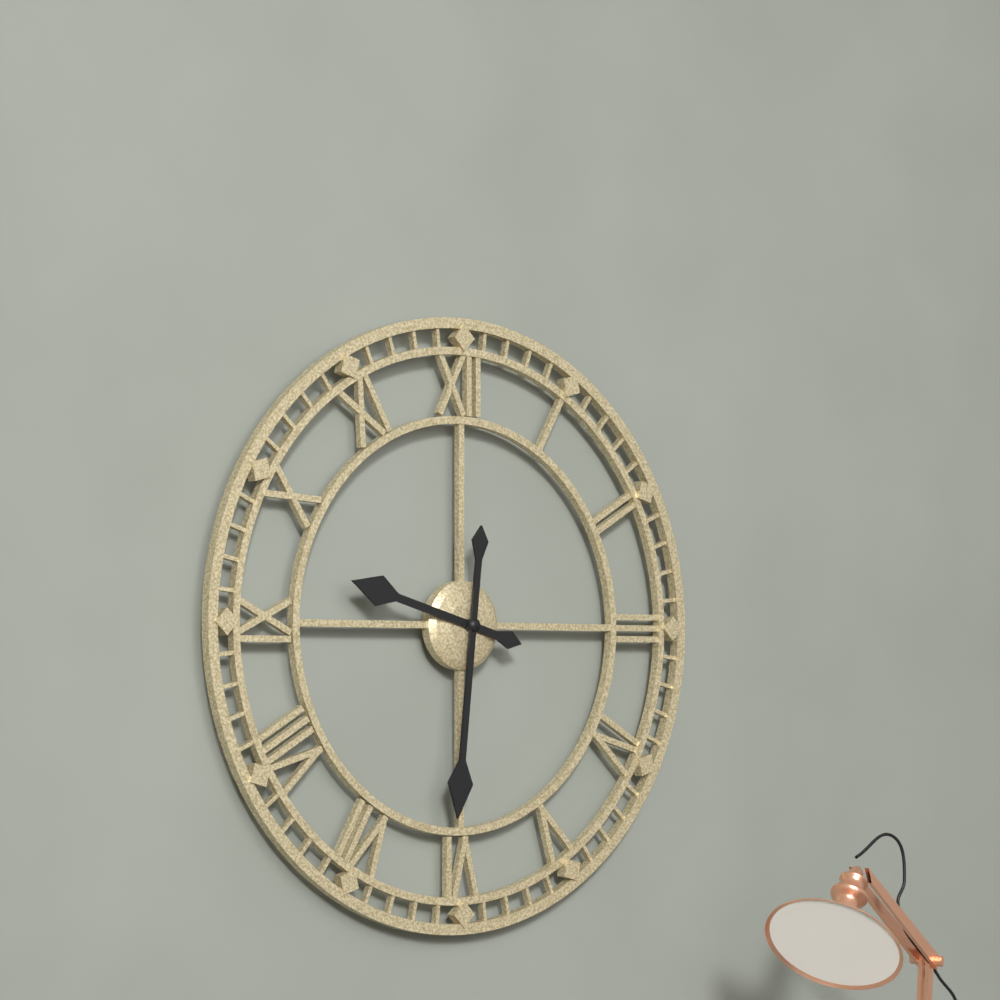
9:31
